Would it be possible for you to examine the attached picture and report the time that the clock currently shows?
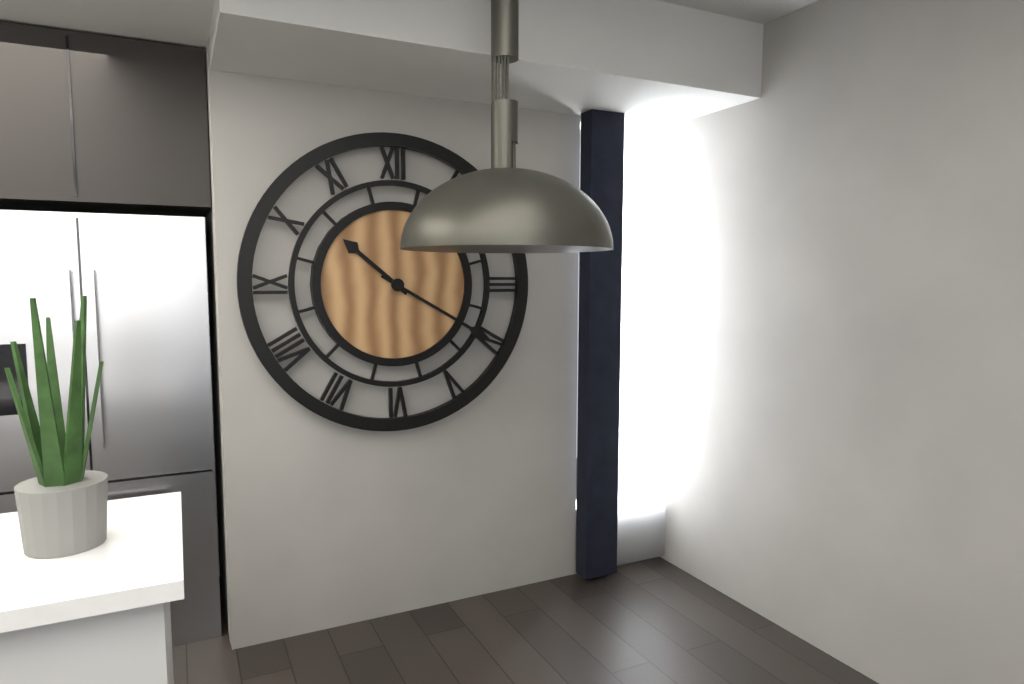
10:20
